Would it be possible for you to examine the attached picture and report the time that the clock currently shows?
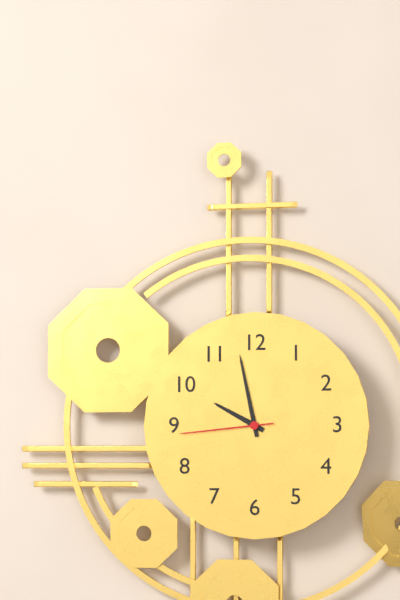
9:58:44
